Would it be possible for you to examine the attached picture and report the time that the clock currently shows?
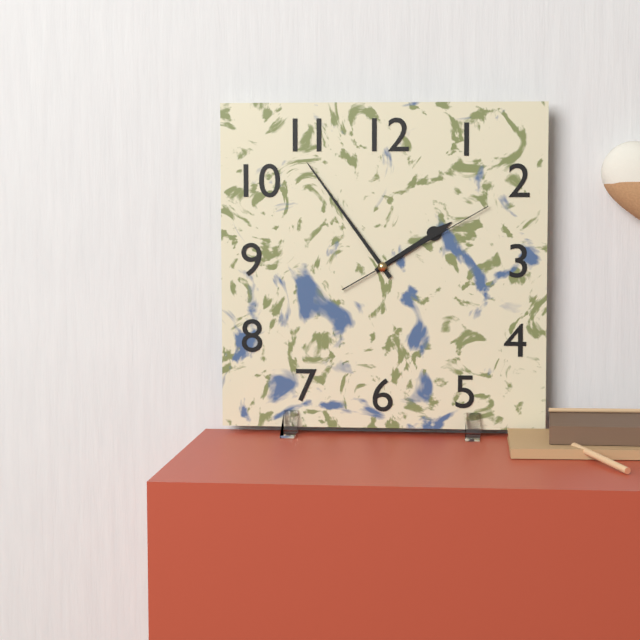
1:54:10
